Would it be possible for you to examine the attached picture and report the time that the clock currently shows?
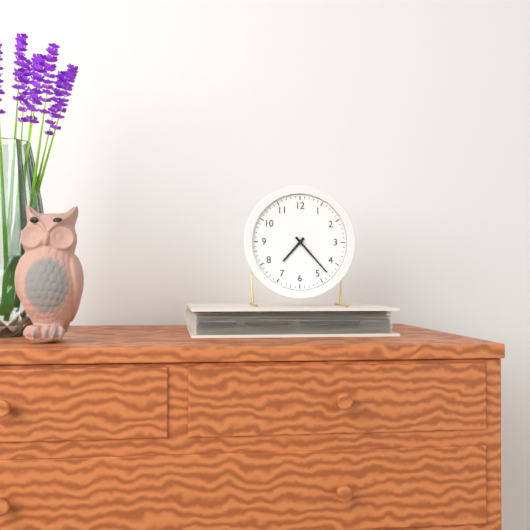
7:23
